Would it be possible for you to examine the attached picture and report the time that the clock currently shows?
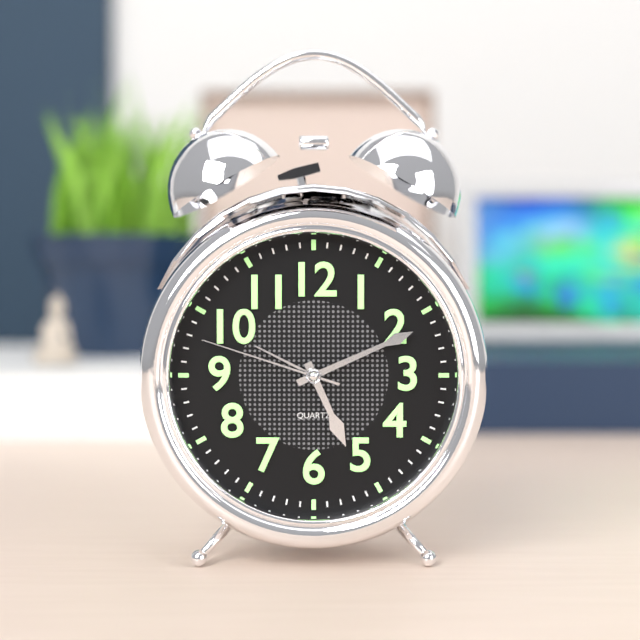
5:11:48
